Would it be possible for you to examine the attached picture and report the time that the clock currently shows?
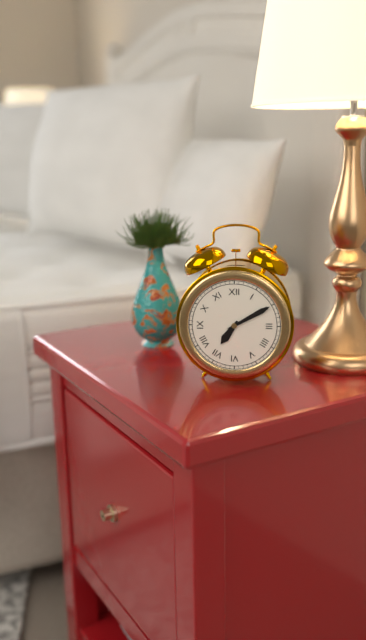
7:10
